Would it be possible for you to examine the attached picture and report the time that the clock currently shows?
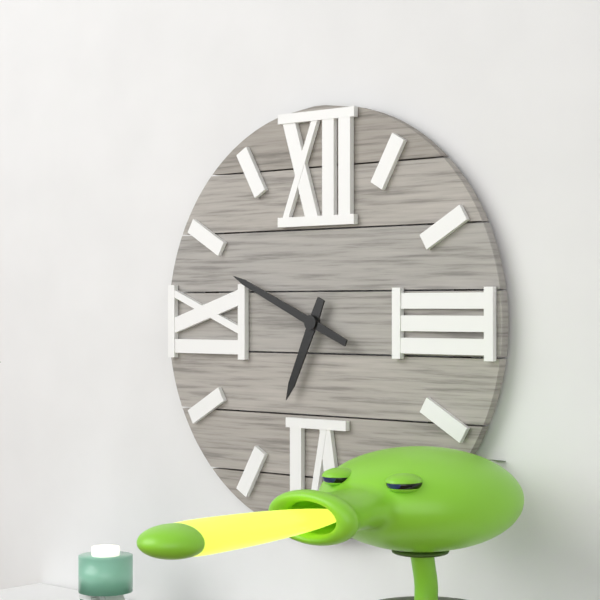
6:49
